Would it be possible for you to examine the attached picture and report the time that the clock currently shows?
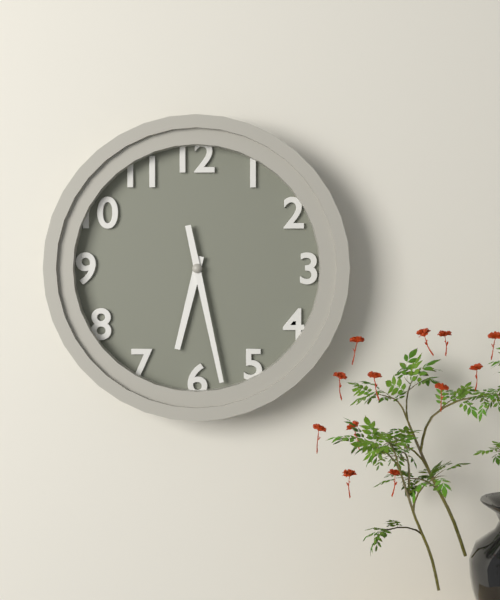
6:28
